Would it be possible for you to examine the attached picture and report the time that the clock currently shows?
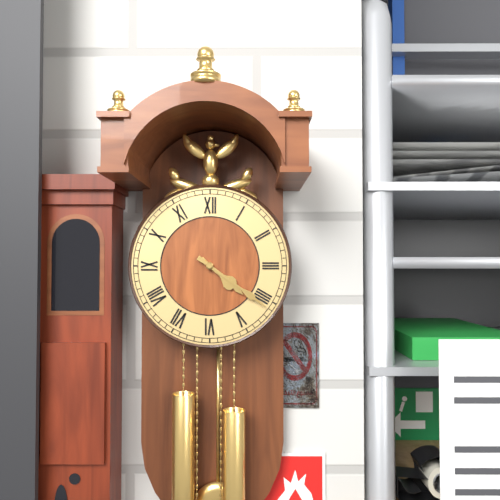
4:21
